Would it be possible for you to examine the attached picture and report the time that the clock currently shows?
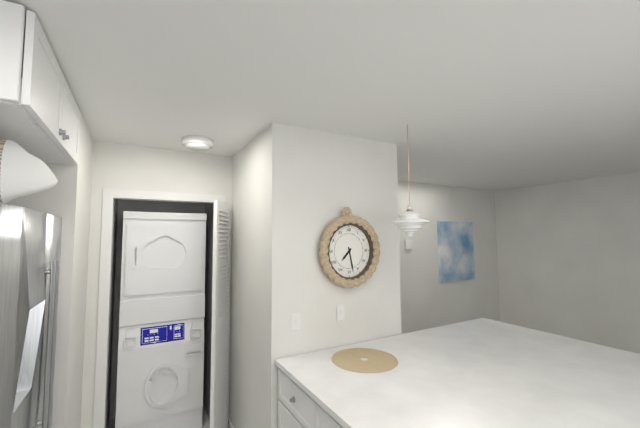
7:28
